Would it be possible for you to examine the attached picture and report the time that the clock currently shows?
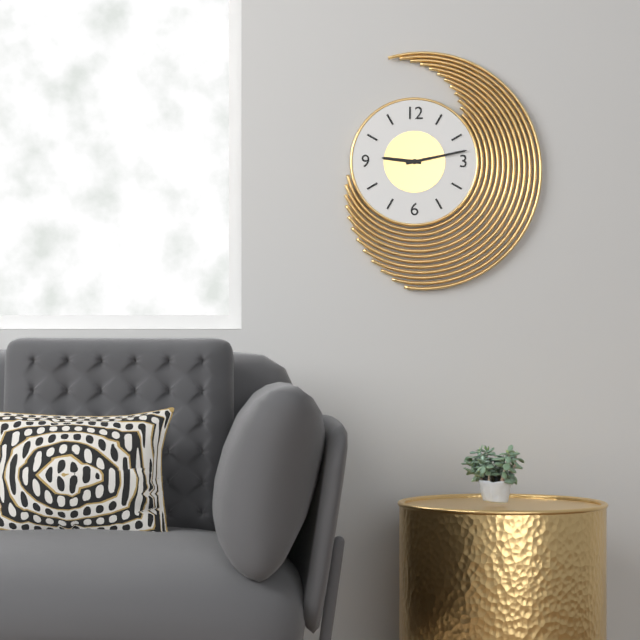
9:13
